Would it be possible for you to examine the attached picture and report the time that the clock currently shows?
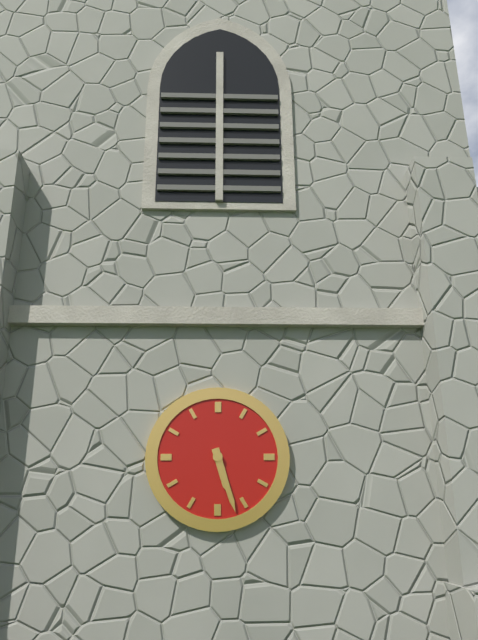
5:27
